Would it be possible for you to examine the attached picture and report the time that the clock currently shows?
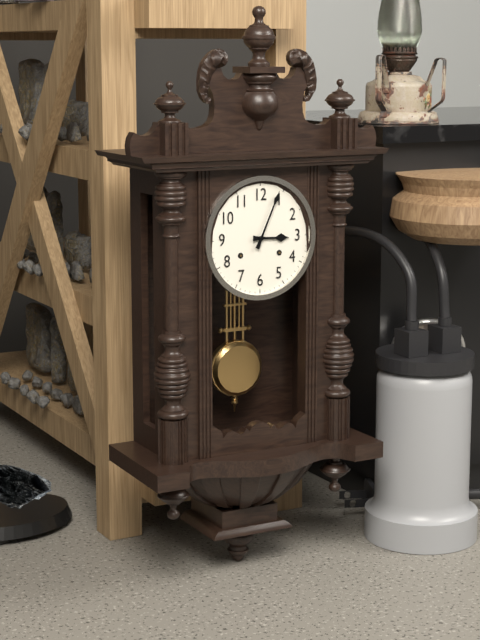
3:04
